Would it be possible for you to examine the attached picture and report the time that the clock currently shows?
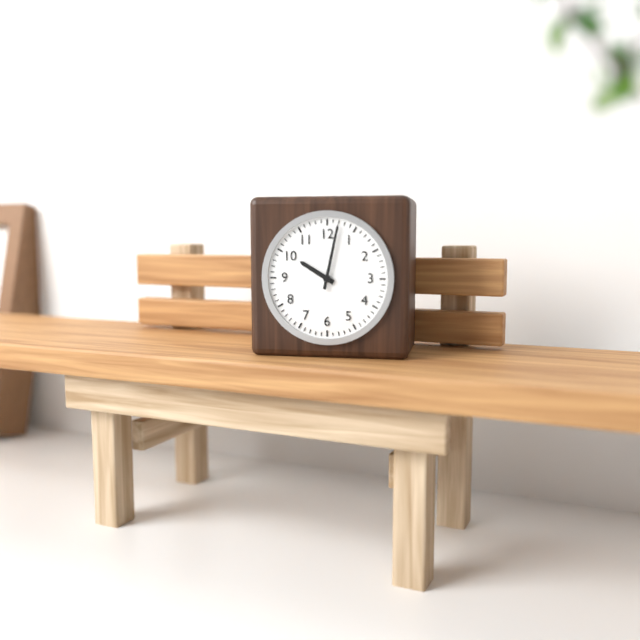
10:02
